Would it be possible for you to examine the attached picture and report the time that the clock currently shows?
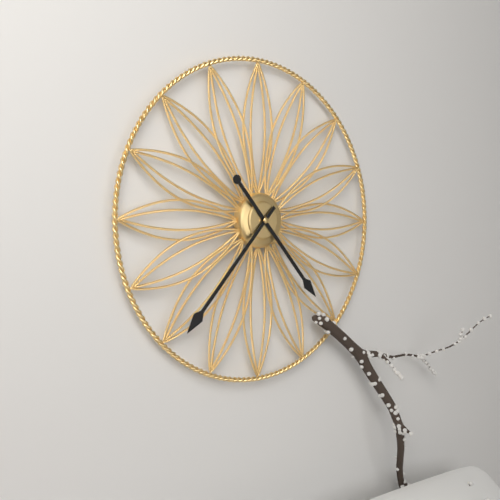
4:37
